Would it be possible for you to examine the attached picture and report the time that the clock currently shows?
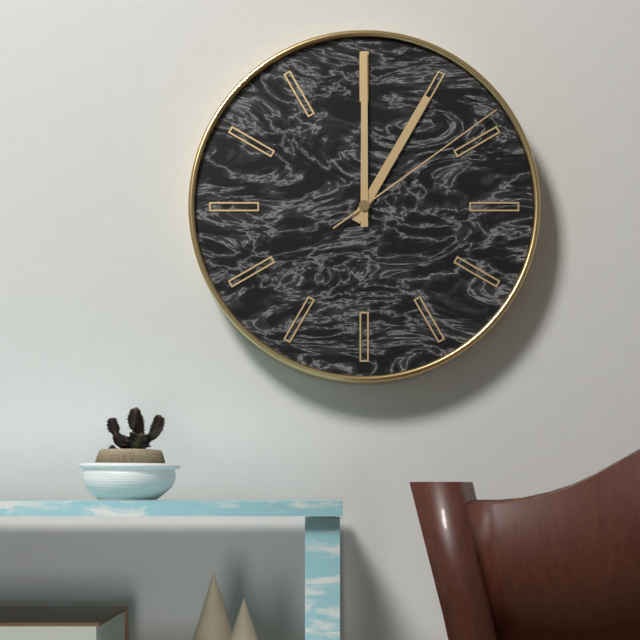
1:00:09
